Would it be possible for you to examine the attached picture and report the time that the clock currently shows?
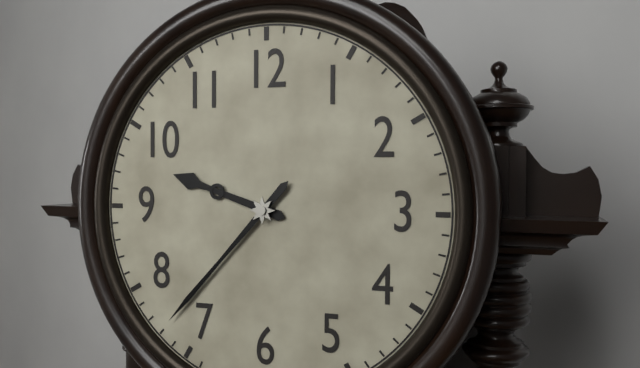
9:37
